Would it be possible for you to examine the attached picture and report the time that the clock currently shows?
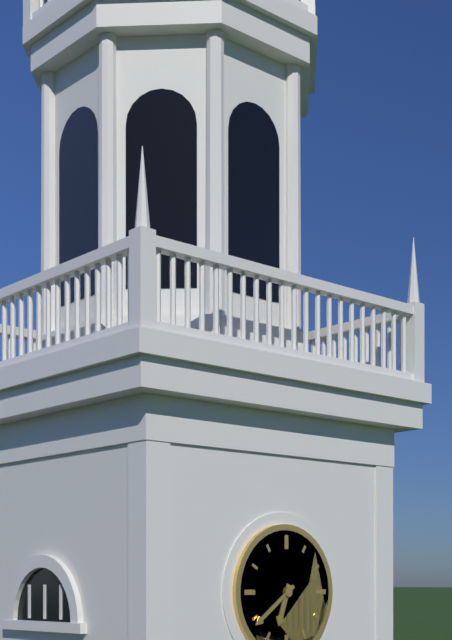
6:39
